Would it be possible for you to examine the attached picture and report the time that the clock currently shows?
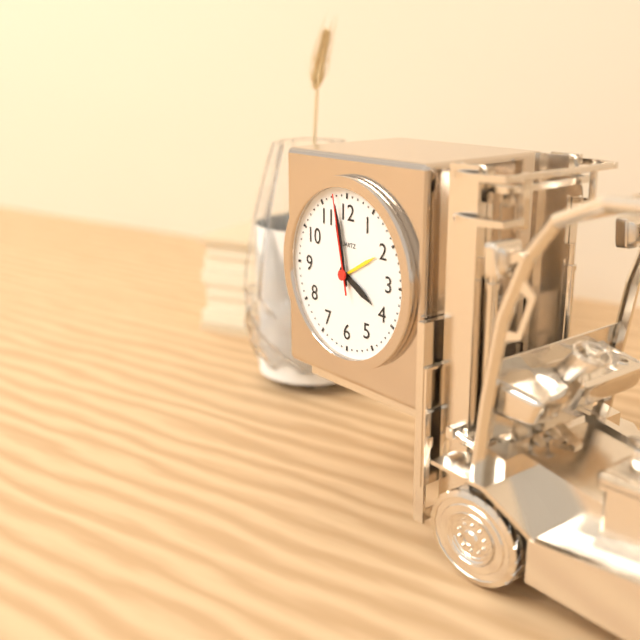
3:58:58
